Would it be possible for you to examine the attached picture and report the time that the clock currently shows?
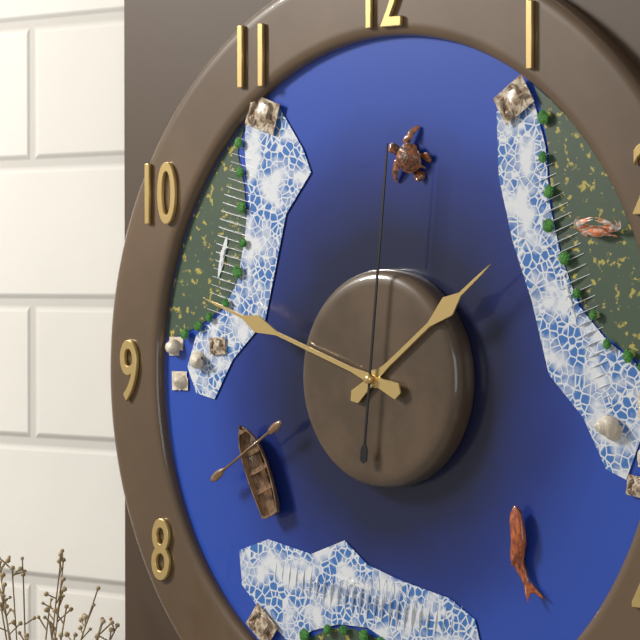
1:48:01
